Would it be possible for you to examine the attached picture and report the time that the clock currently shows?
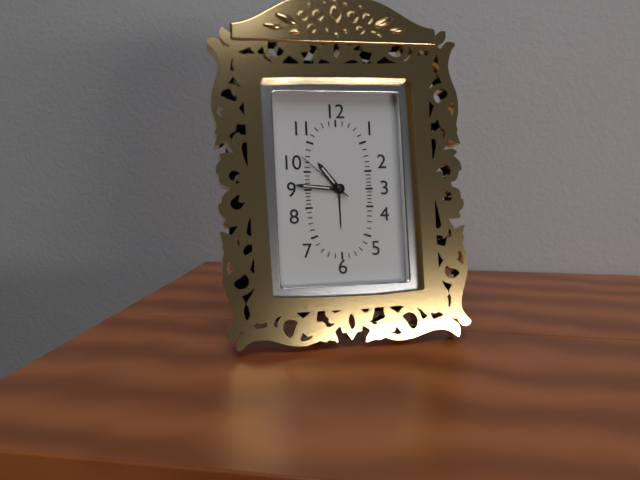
10:46:52
